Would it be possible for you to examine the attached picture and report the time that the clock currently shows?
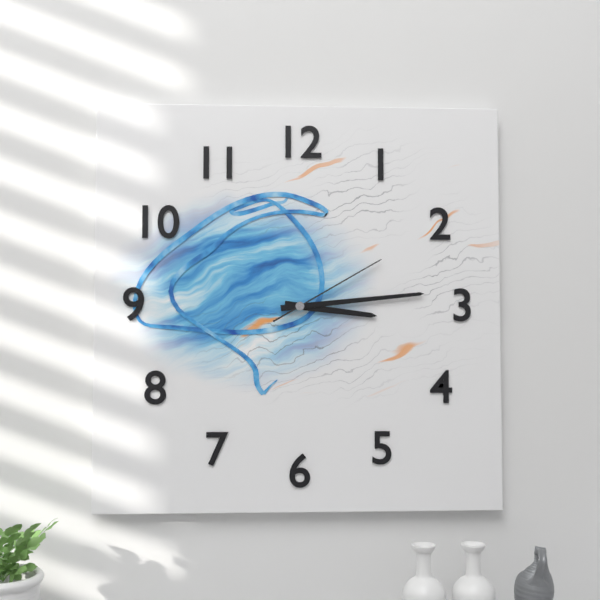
3:14:10
